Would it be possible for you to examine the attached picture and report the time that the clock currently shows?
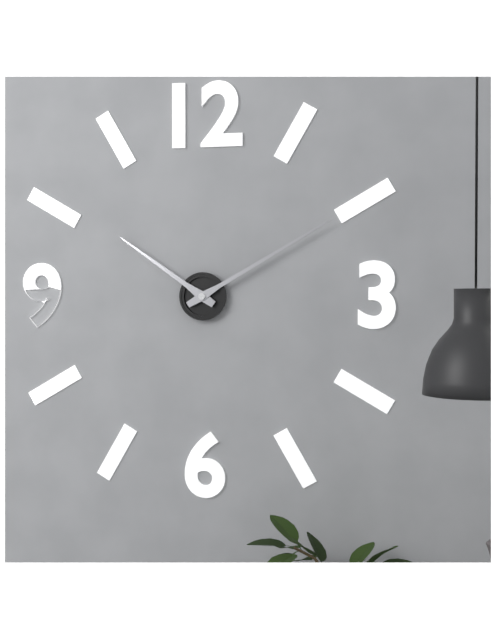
10:10
